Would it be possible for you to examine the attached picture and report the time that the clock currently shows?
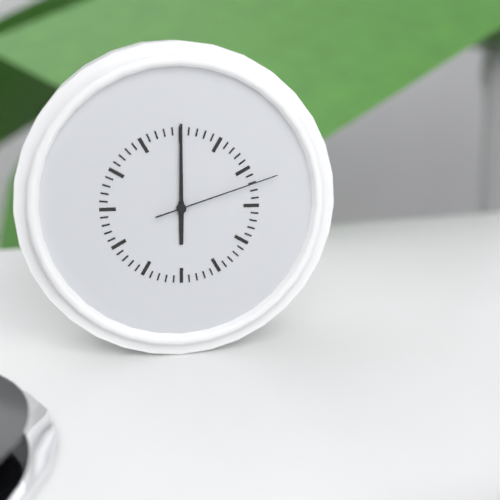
6:00:12
